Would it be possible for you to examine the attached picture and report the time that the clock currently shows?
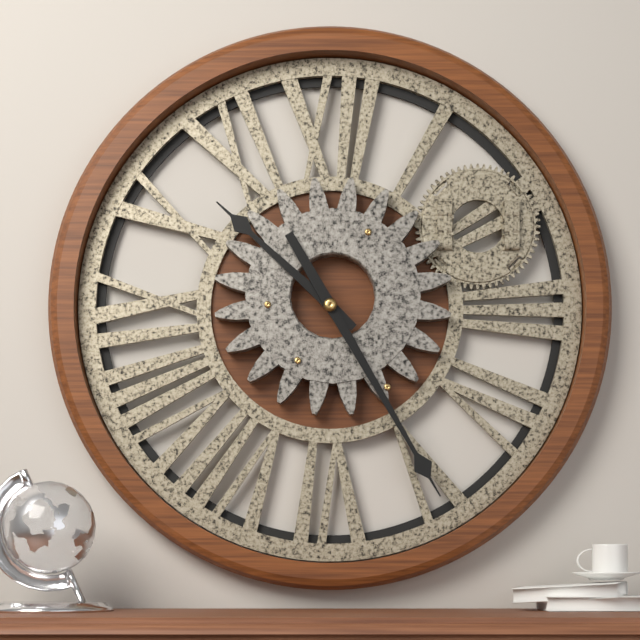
10:25
